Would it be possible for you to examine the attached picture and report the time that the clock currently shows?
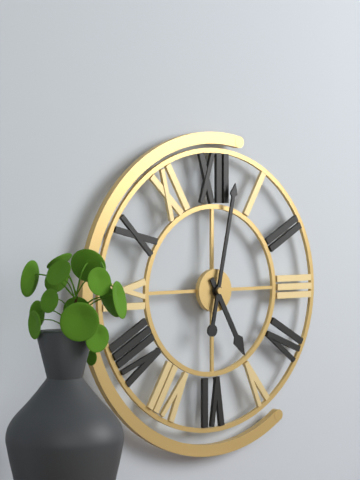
5:02
